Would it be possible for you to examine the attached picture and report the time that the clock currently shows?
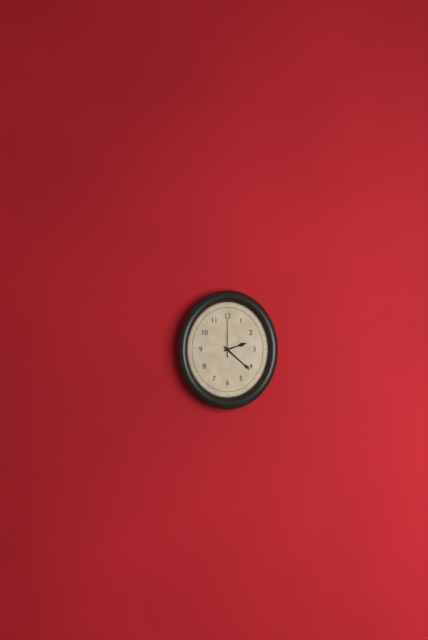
2:22
